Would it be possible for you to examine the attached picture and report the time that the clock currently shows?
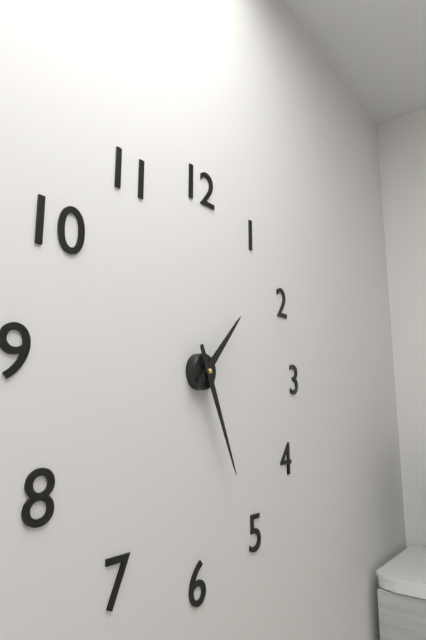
1:26
